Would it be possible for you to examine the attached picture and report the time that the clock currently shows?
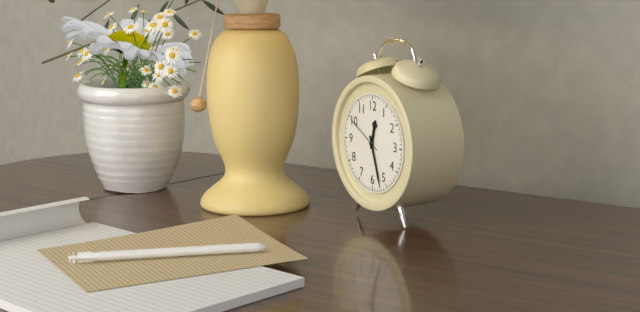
12:27
